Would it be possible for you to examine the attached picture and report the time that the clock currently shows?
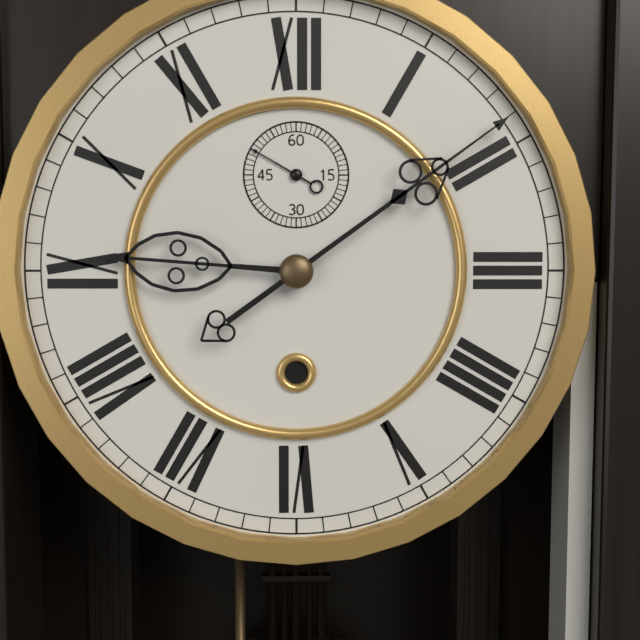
9:09:50
